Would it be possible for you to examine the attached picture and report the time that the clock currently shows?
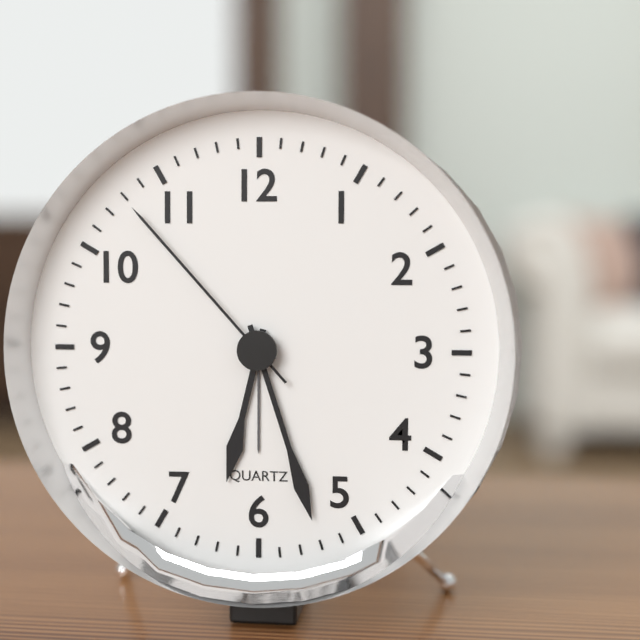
6:27:53
